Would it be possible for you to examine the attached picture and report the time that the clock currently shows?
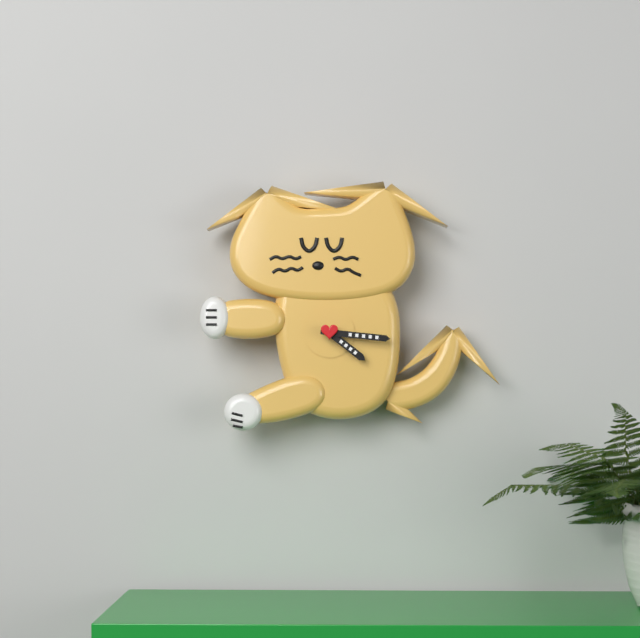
4:16
